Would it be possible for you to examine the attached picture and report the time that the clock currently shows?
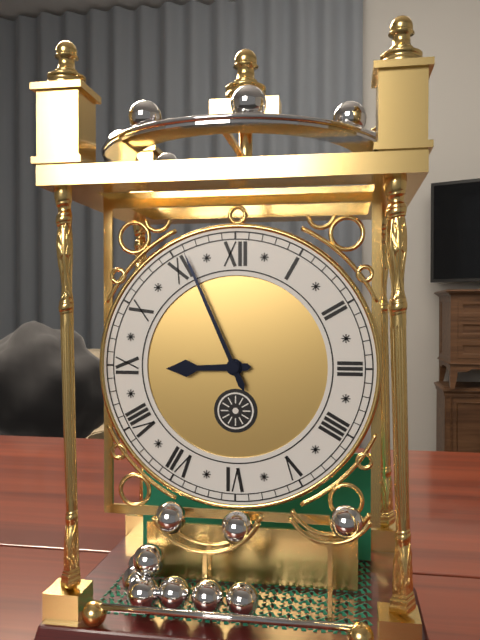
8:56
